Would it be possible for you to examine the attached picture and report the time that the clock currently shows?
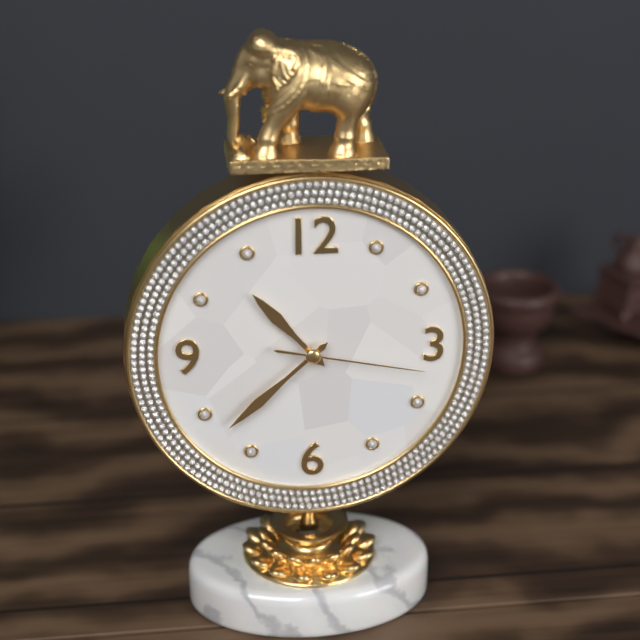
10:38:17
